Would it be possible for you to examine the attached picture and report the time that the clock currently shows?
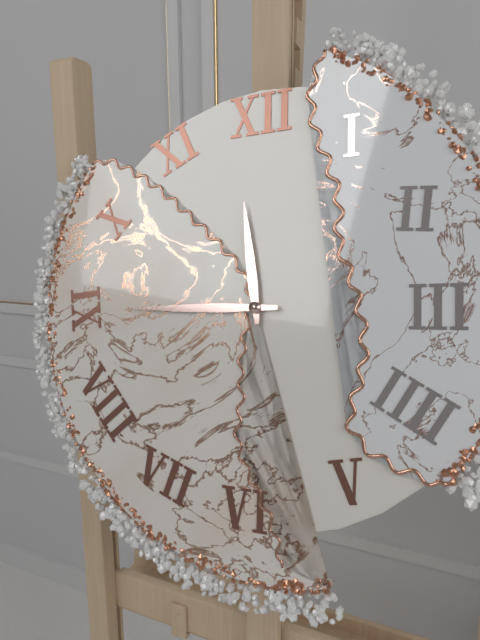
11:45
